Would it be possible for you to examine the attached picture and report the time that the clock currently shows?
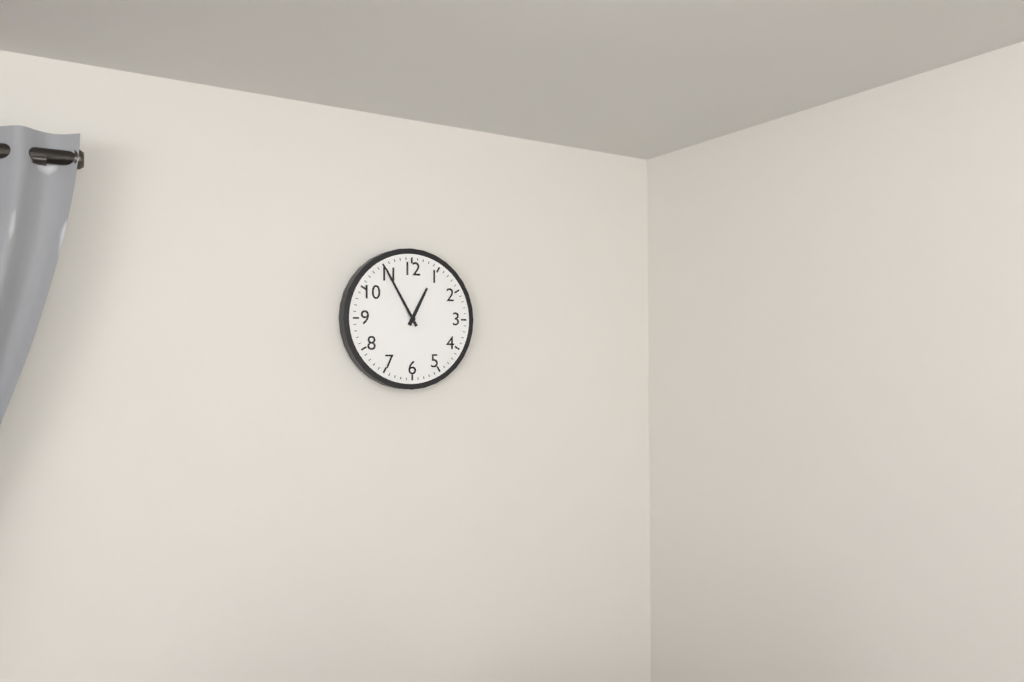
12:55
